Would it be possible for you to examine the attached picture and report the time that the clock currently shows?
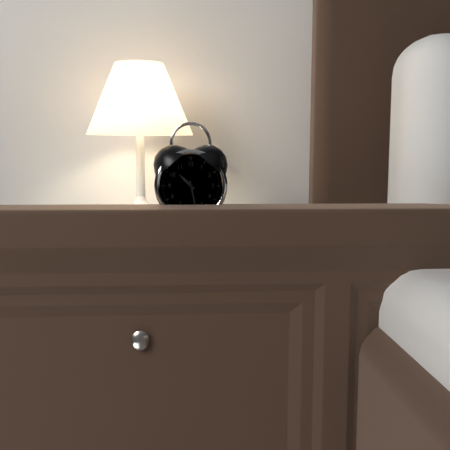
10:28
